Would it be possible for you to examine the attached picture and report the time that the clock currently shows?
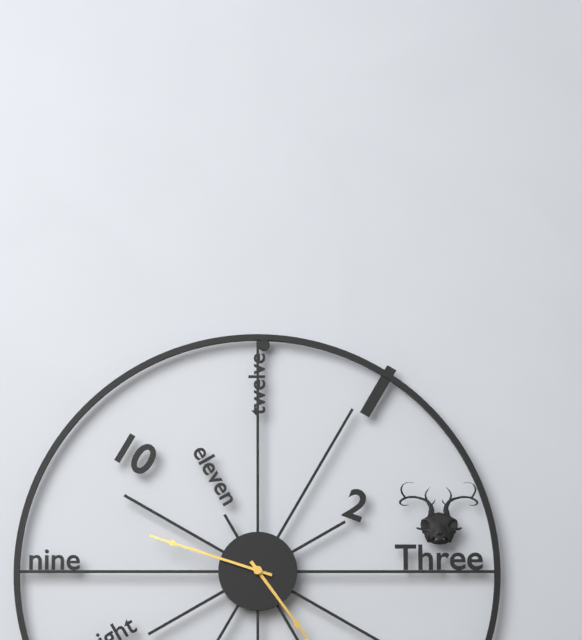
4:48
